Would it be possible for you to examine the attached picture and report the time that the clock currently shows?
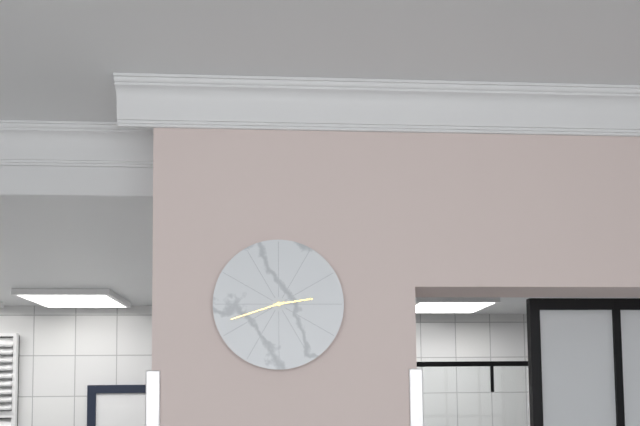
2:42
